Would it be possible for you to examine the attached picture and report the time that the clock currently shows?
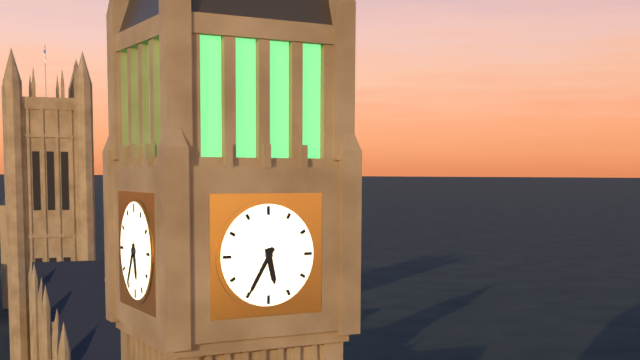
5:35
